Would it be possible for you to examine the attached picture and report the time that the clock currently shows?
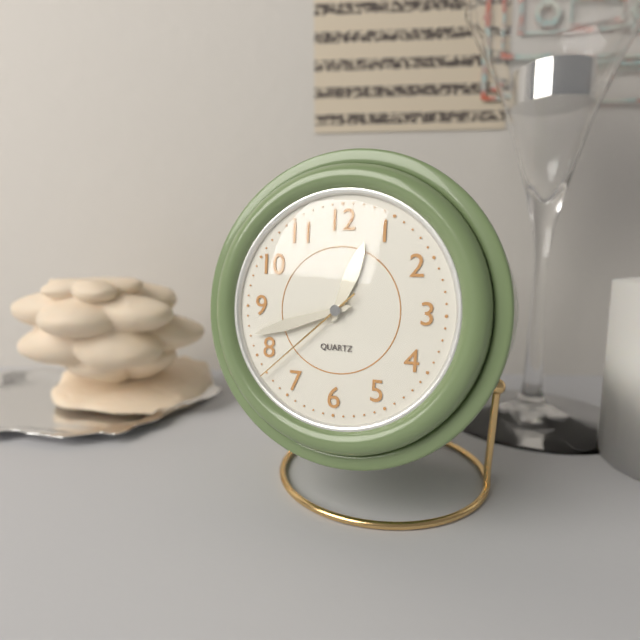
12:42:38
